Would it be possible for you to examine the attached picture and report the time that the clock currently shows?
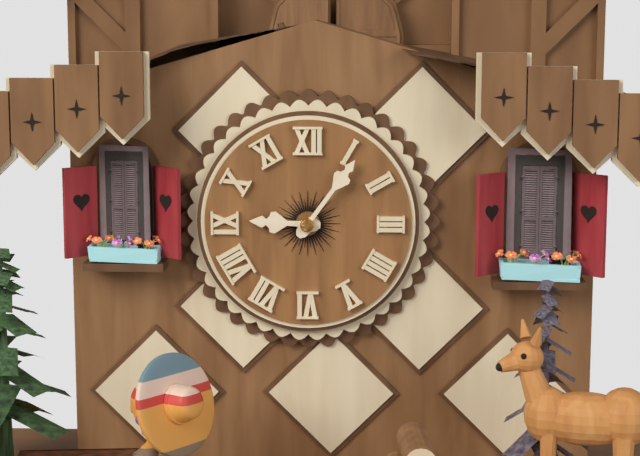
9:06
